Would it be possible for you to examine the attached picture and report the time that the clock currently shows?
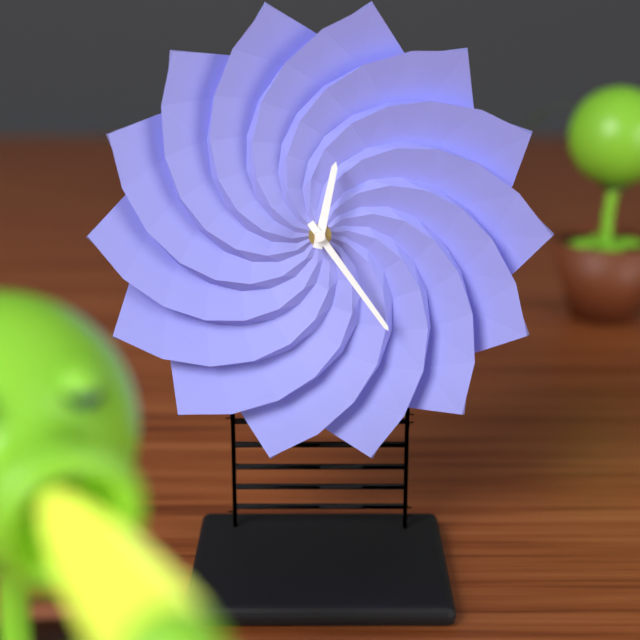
12:24
